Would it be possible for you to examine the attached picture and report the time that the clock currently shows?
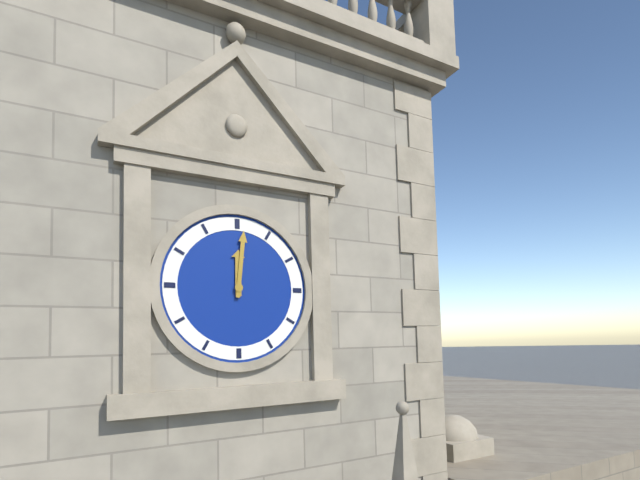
12:01
